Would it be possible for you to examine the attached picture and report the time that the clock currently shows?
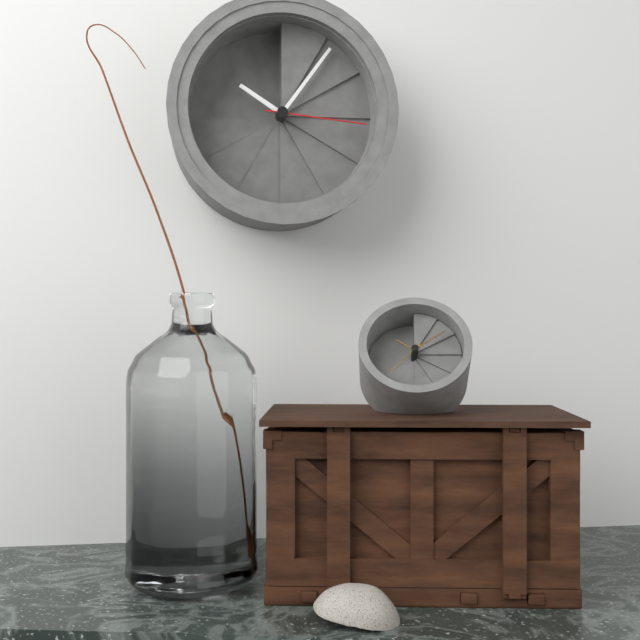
10:06:16
